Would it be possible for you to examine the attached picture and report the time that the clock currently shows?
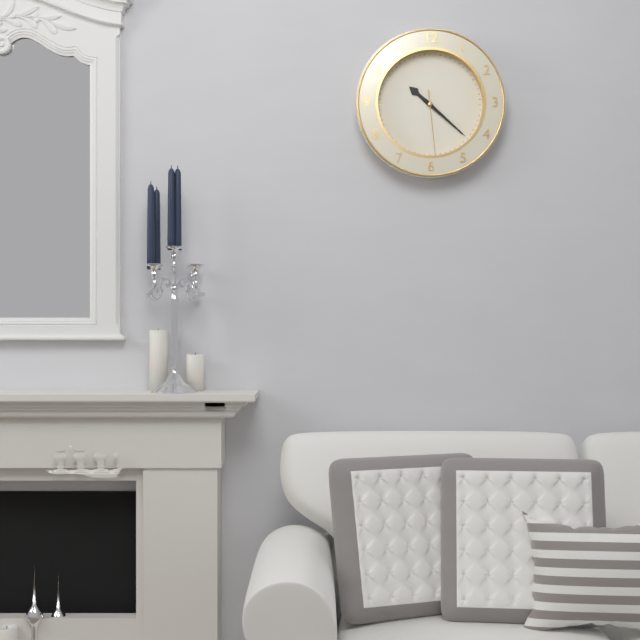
10:22:29
